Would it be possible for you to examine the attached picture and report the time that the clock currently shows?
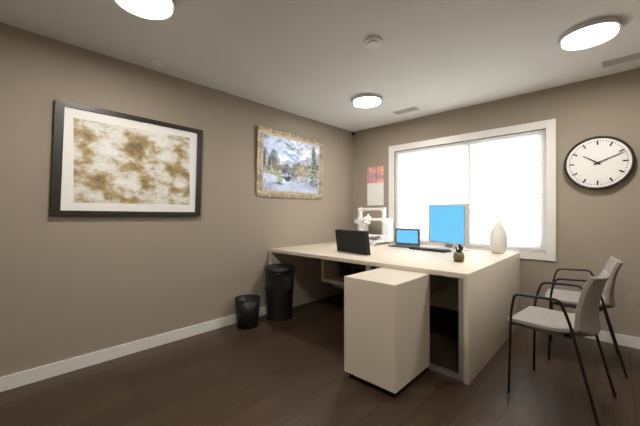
10:11
